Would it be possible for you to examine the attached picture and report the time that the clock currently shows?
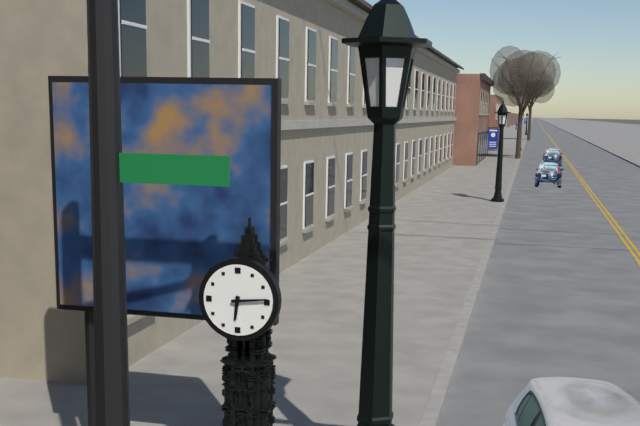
6:14
